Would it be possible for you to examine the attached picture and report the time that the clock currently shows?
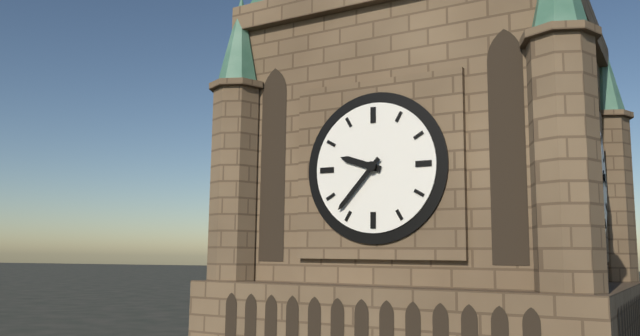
9:37
